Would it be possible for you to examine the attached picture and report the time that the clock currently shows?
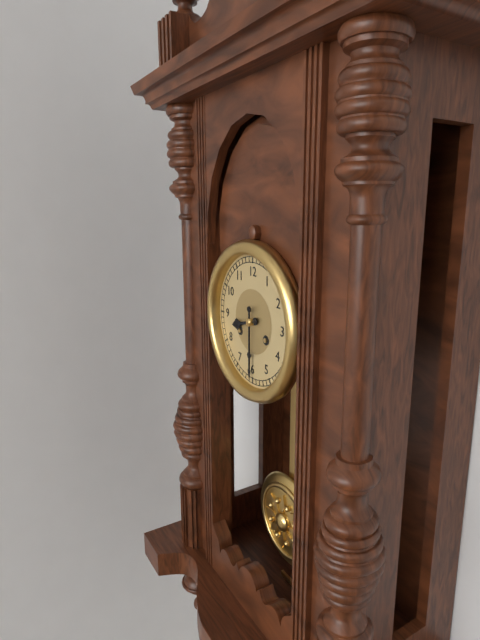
8:30
